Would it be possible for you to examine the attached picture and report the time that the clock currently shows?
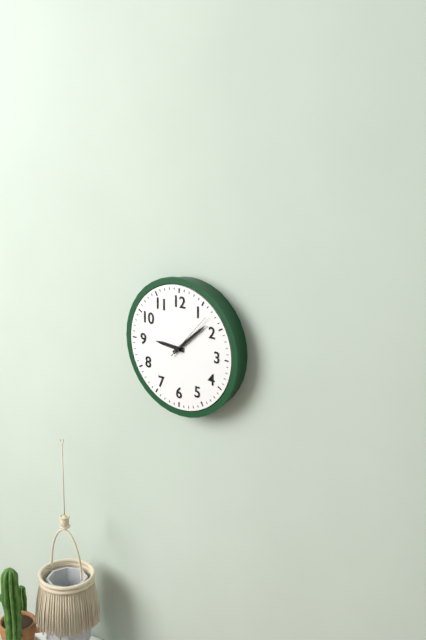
9:08:07
